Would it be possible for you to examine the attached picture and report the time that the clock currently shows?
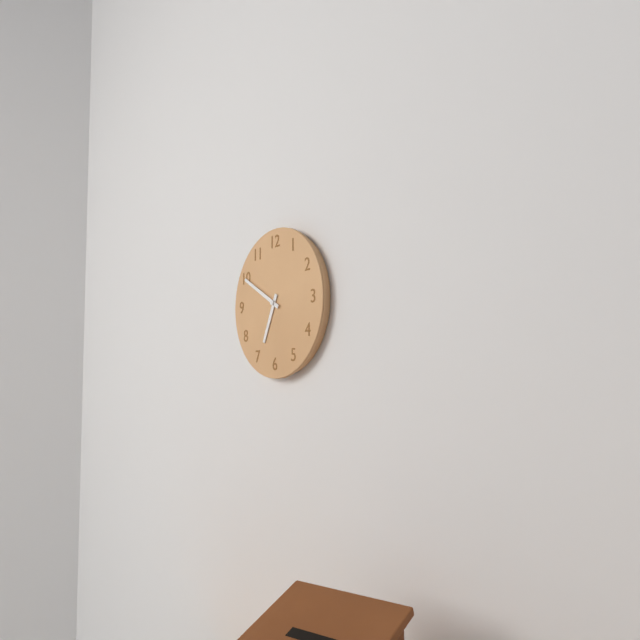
6:50
